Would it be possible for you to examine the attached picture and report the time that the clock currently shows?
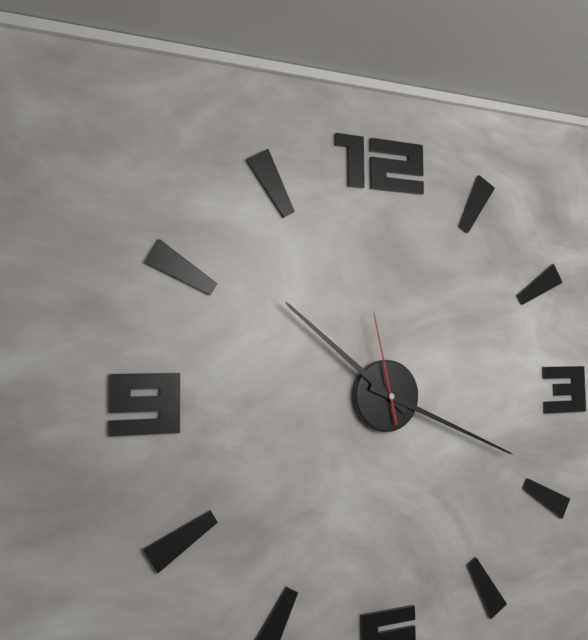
10:19:58
